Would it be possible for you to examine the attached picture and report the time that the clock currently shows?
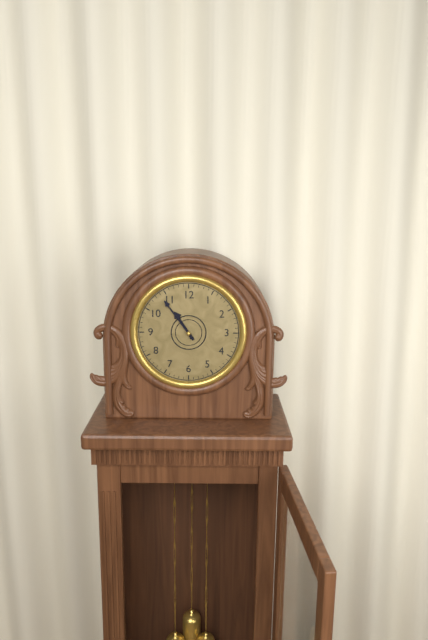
10:54
